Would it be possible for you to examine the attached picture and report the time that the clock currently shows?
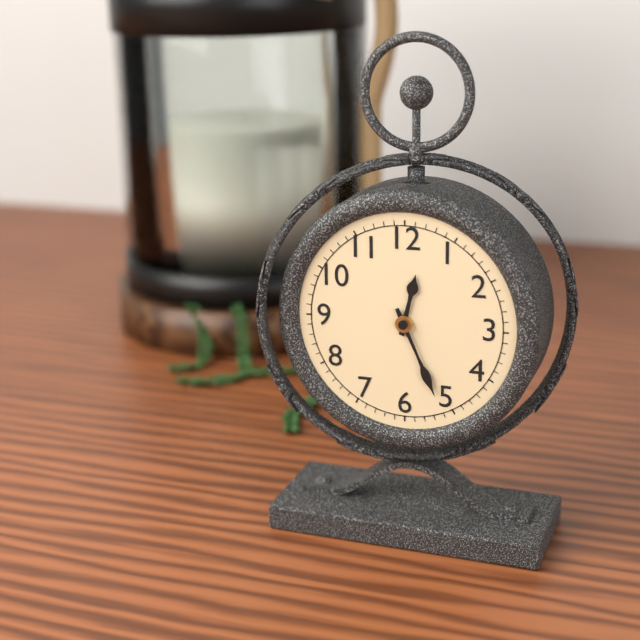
12:26
